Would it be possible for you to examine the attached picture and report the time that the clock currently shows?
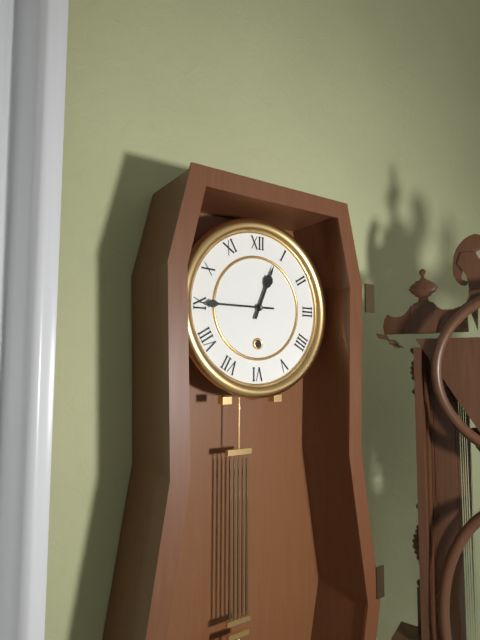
12:45
